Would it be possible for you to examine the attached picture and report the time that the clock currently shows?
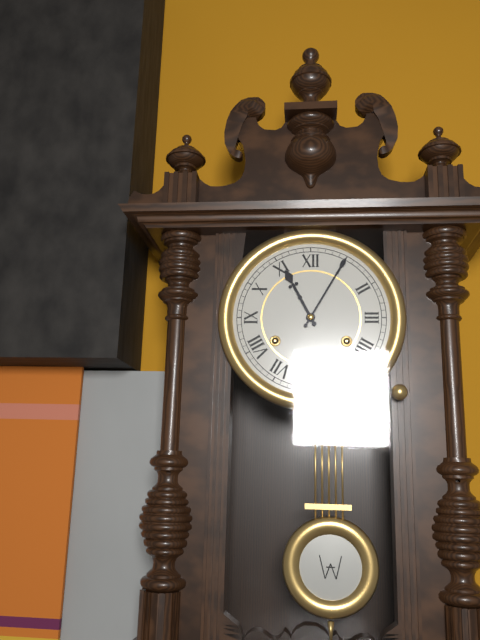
11:05
